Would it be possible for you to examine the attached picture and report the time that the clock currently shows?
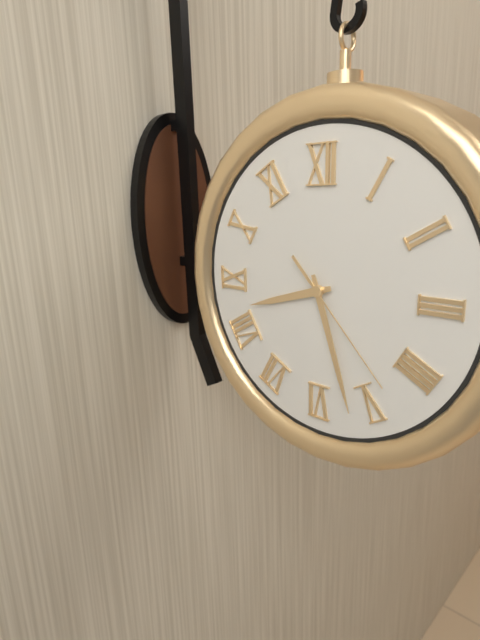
8:27:23
